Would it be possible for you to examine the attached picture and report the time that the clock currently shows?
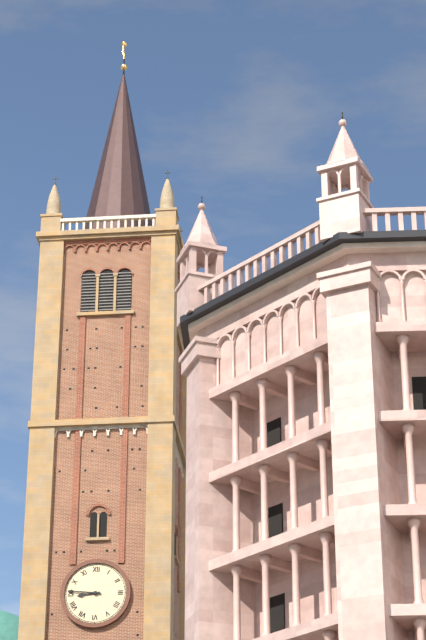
8:46
